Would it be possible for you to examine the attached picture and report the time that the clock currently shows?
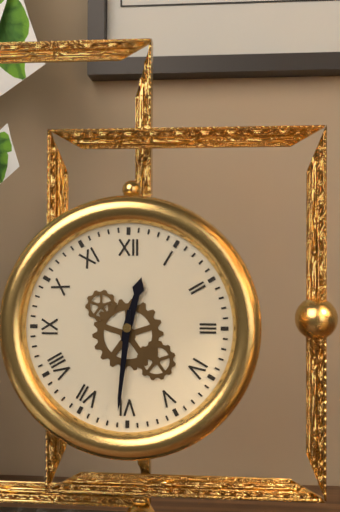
12:31
